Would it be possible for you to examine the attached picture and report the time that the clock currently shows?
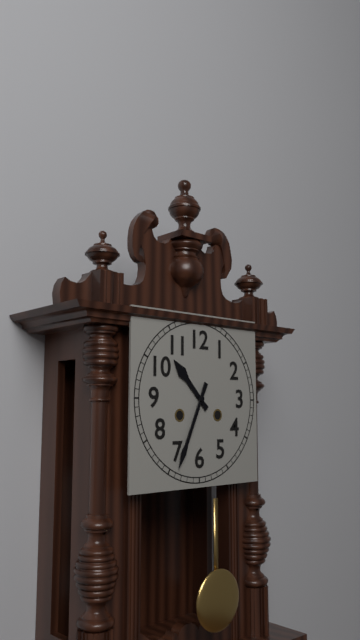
10:34
